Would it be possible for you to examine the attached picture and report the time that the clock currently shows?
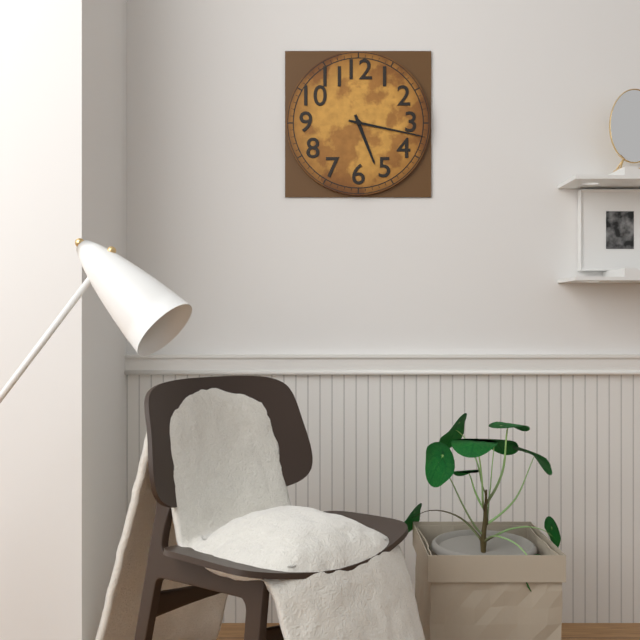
5:17
